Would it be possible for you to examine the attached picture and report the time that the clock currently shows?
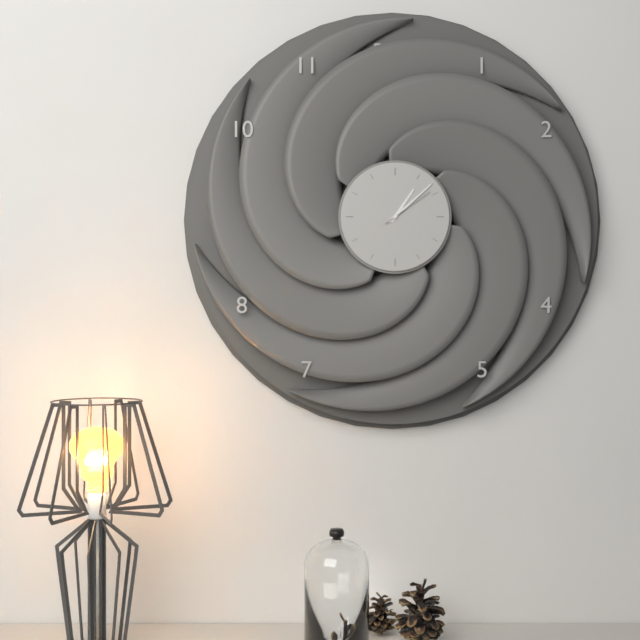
1:08:09
